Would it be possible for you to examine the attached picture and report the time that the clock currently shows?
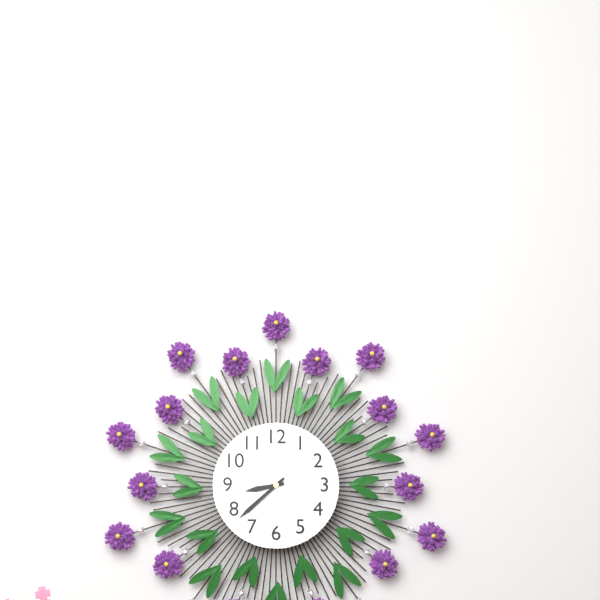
8:38
